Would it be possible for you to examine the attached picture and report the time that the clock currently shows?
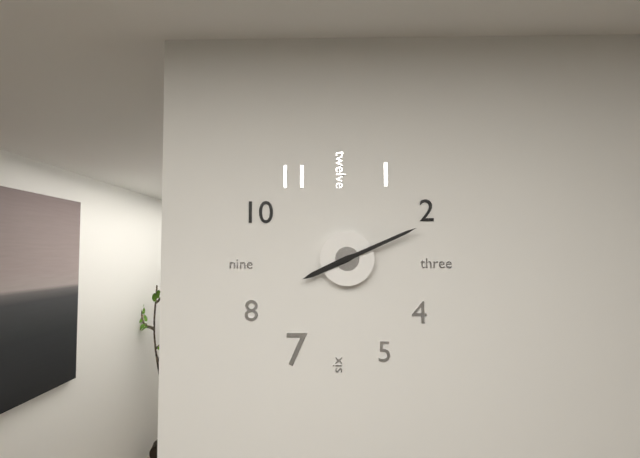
8:11
